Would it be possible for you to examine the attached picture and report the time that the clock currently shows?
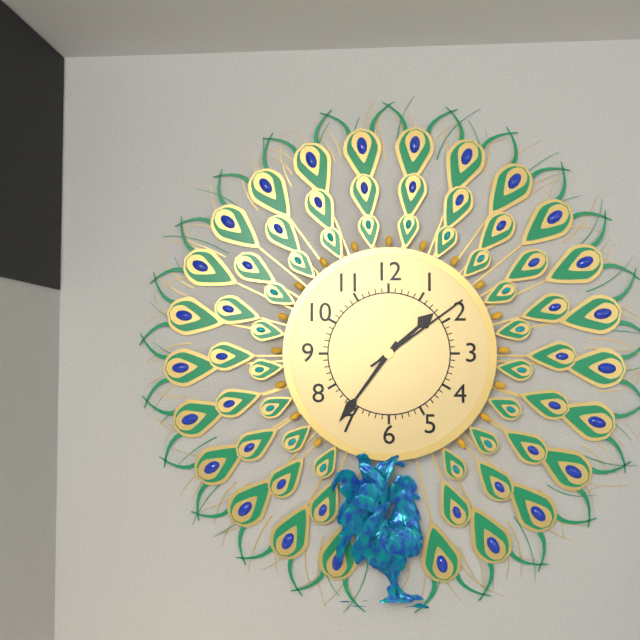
1:36:09
